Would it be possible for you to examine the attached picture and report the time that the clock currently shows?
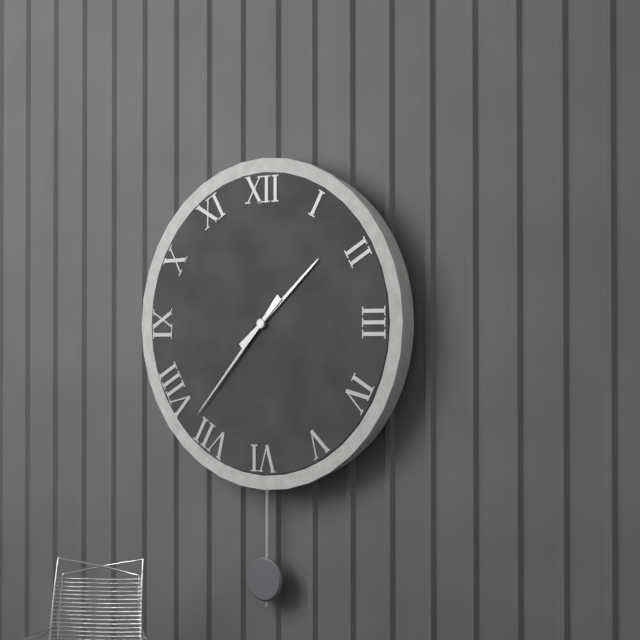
1:37
